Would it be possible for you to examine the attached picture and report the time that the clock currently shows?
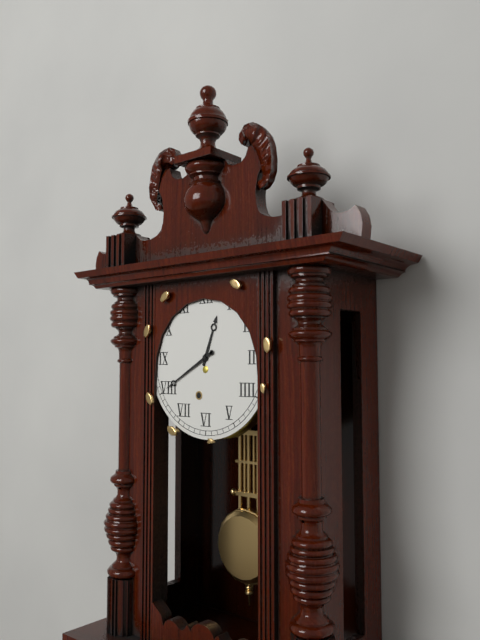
12:40
